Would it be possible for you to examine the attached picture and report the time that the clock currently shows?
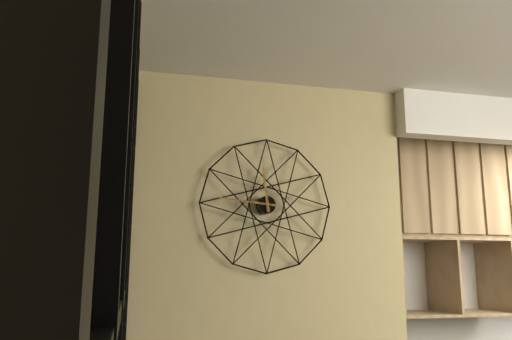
11:46
